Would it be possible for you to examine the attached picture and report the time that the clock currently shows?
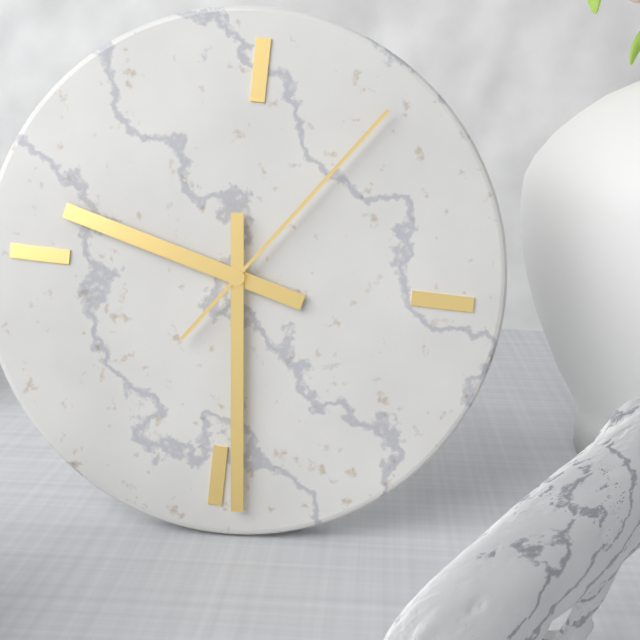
9:29:06
